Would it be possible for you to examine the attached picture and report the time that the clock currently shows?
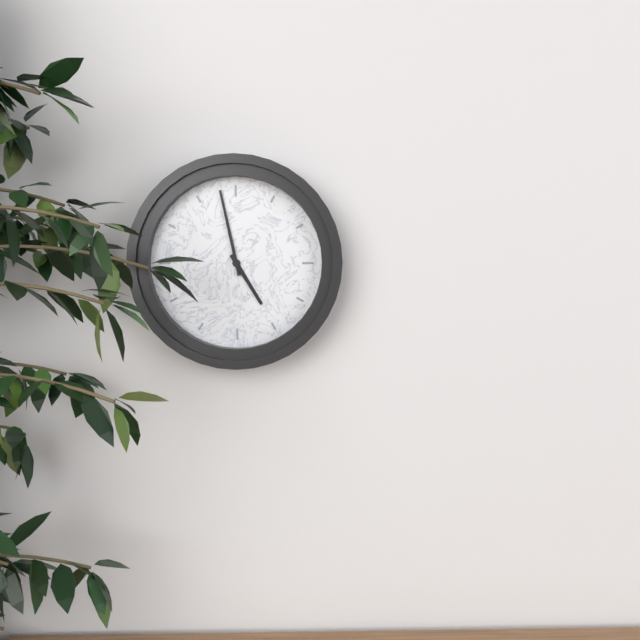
4:58
